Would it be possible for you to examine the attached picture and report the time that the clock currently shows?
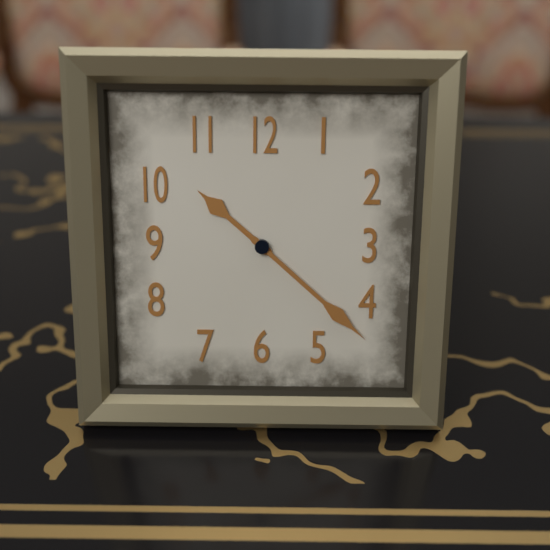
10:22
